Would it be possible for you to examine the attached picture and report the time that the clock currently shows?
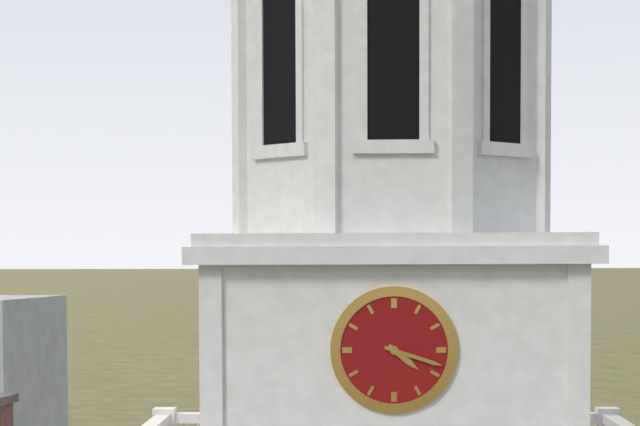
4:18
